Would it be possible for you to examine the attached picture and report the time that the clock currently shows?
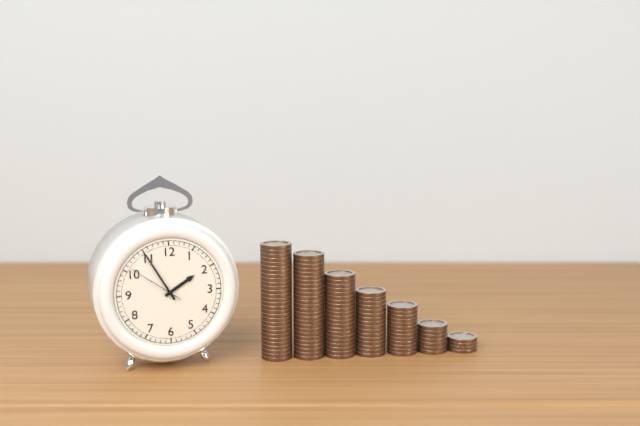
1:55:51
